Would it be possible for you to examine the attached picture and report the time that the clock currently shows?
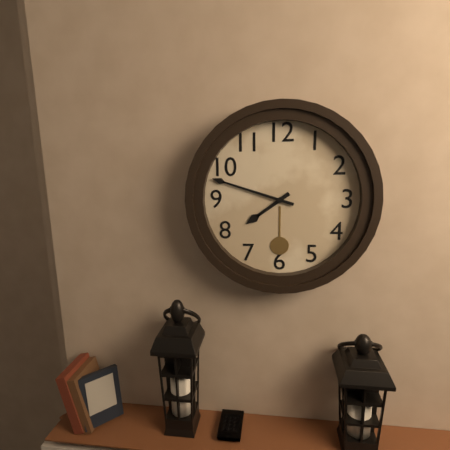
7:48
